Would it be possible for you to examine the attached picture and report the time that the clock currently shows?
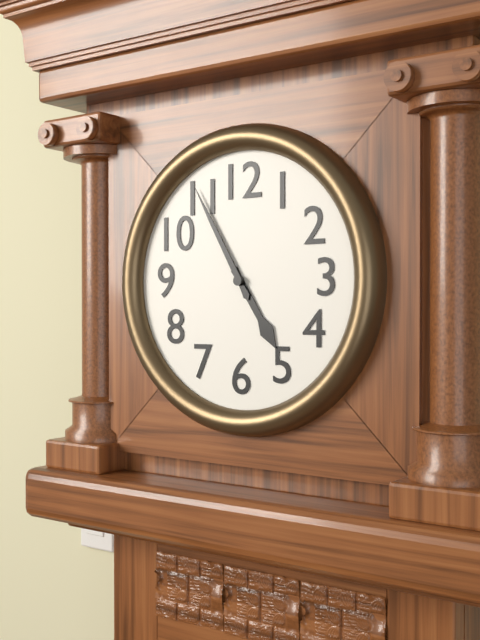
4:55
